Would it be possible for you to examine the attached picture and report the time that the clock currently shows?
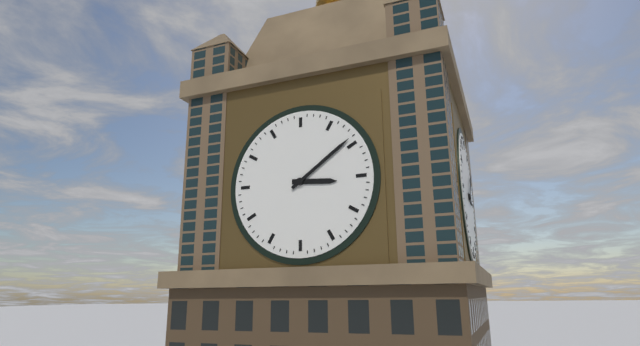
3:09
